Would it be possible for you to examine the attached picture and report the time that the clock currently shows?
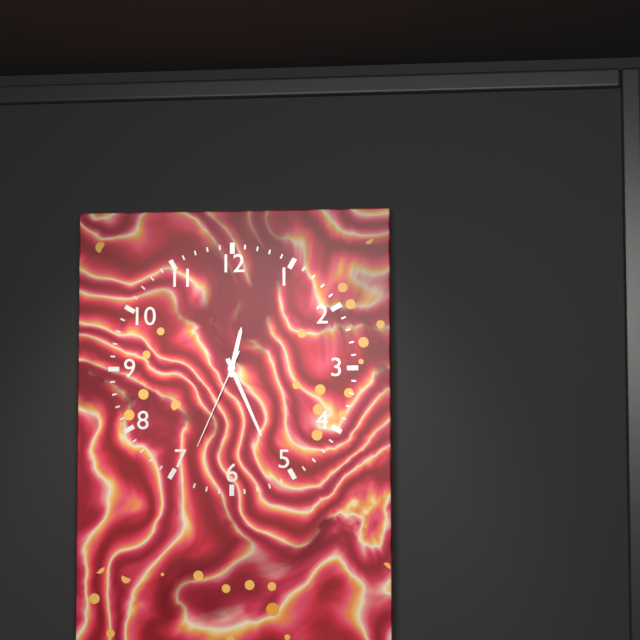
12:26:34
